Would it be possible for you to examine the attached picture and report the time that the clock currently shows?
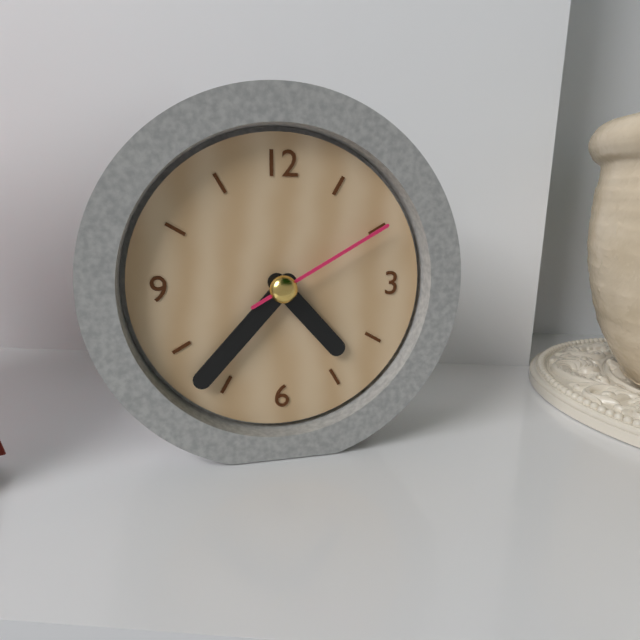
4:37:10
